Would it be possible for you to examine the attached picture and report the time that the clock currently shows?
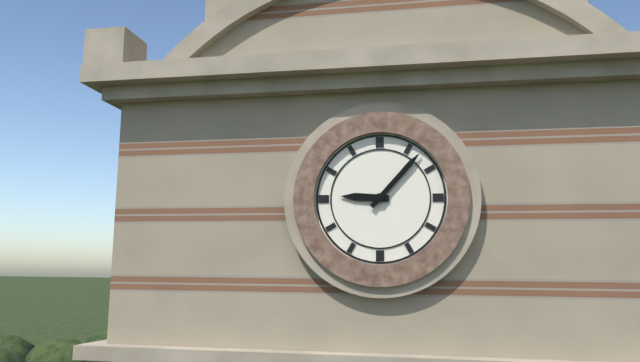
9:07
